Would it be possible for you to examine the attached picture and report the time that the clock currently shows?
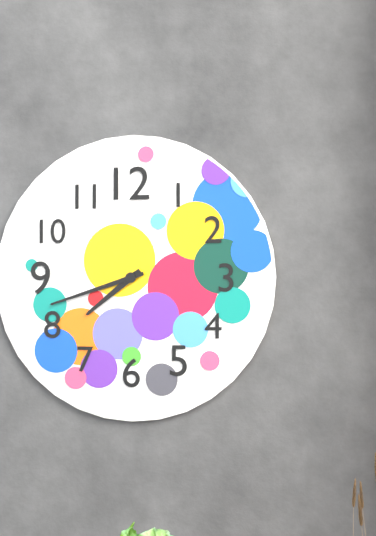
7:42
